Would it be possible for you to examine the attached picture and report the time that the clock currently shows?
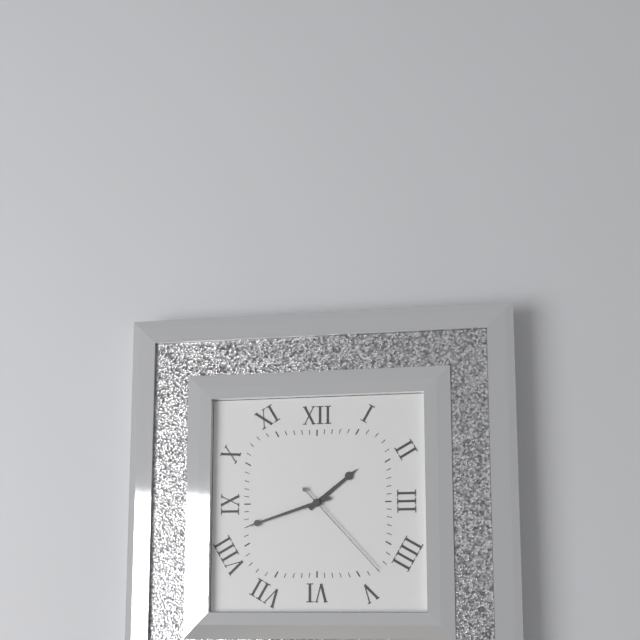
1:42:23
